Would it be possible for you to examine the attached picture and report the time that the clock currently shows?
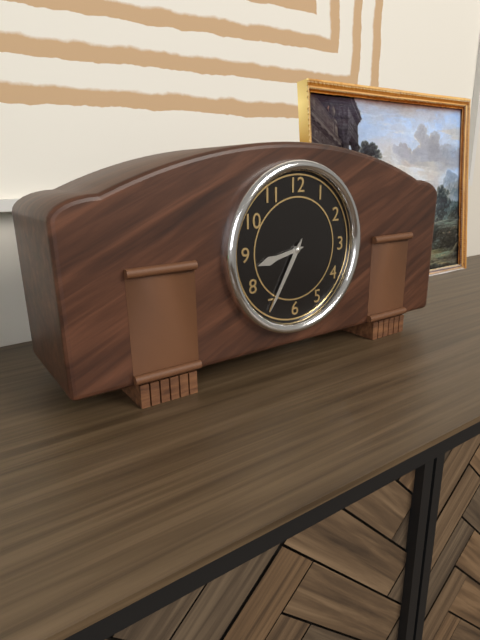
8:35
